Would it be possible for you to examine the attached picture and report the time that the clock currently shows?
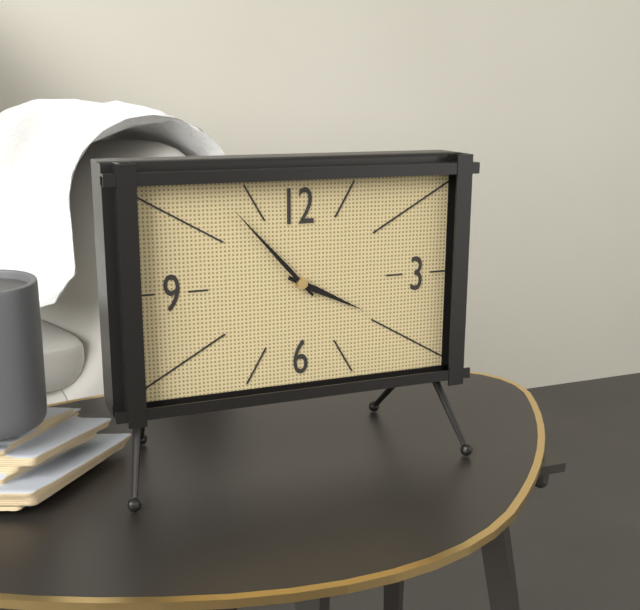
3:53
